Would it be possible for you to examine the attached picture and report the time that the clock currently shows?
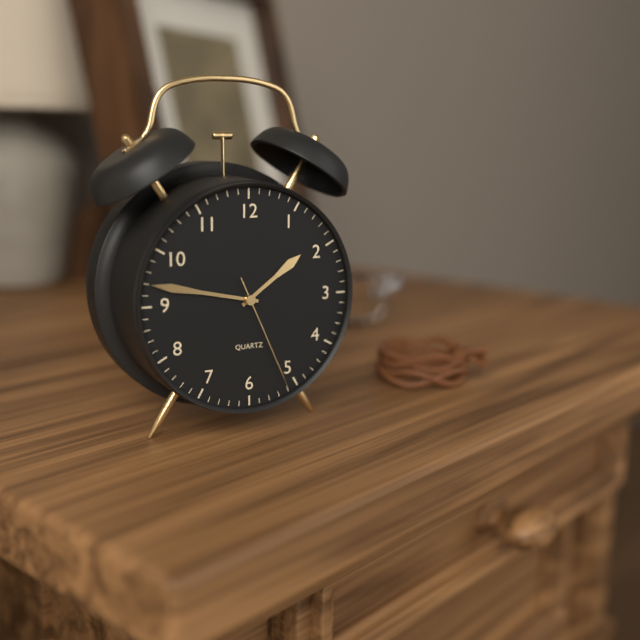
1:47:26
